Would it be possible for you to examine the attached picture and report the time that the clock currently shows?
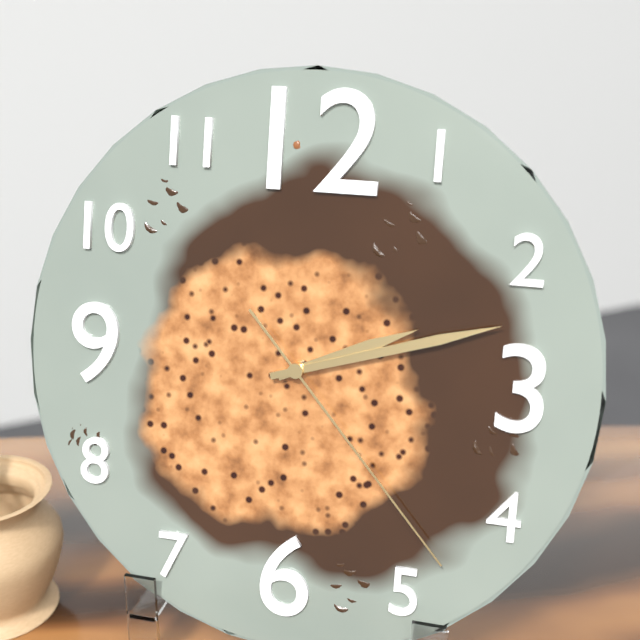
2:12:23
